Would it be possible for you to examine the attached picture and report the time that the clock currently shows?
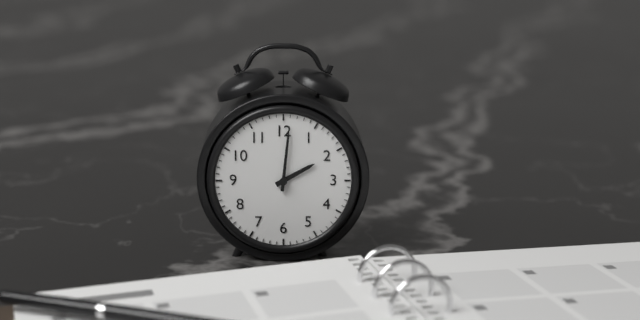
2:01
